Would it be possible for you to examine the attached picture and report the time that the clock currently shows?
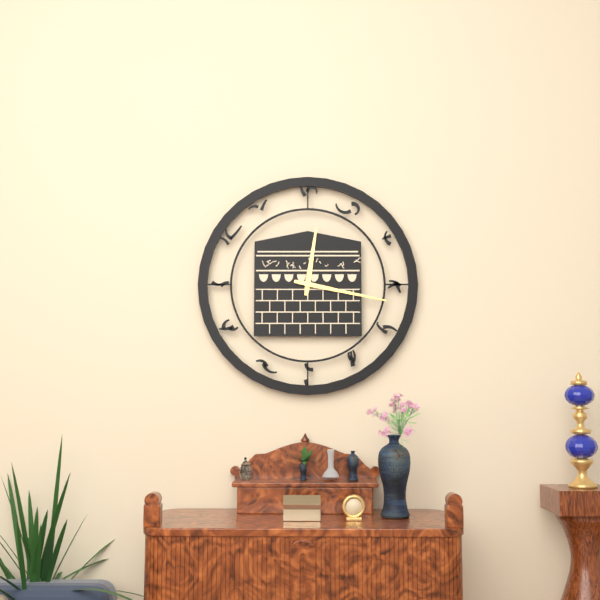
12:17
